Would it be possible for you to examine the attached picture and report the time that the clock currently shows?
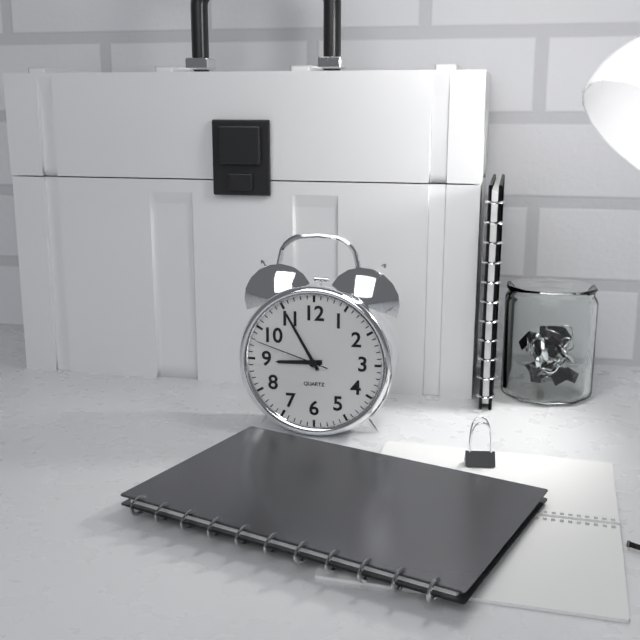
8:55:48
